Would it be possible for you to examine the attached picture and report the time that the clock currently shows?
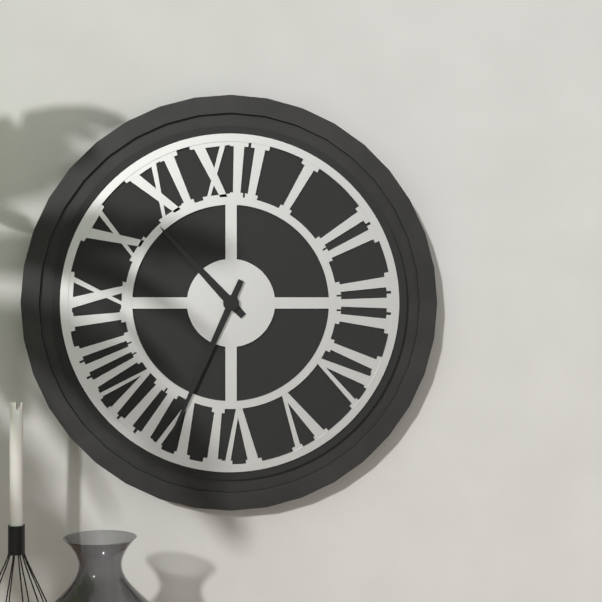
10:34
